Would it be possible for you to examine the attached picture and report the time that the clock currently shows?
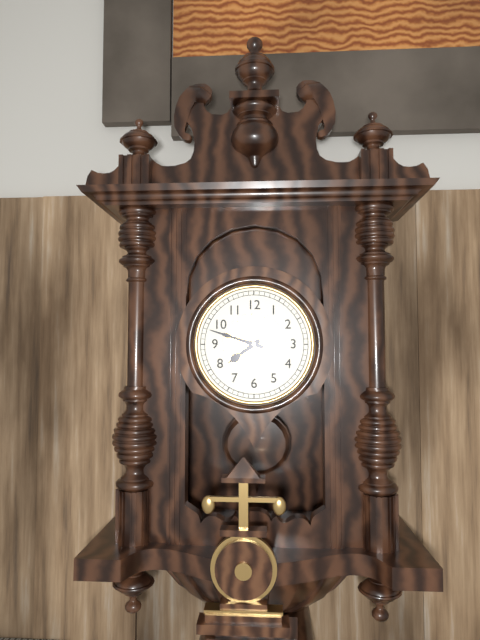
7:48
